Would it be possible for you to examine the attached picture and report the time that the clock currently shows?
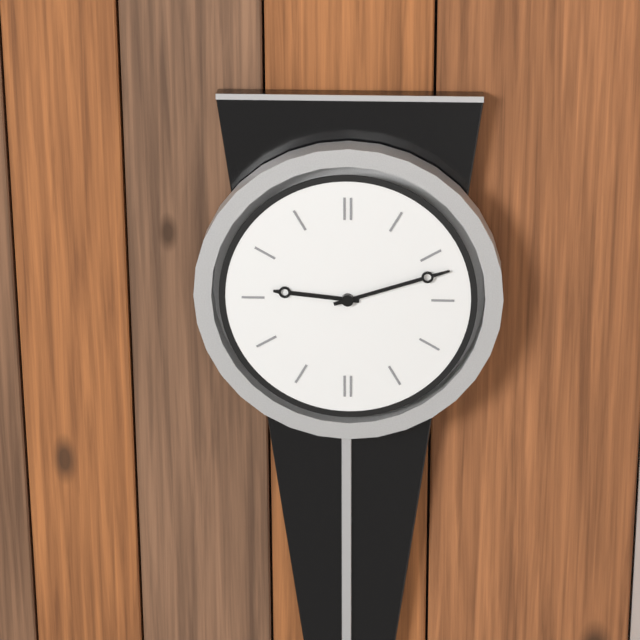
9:12
